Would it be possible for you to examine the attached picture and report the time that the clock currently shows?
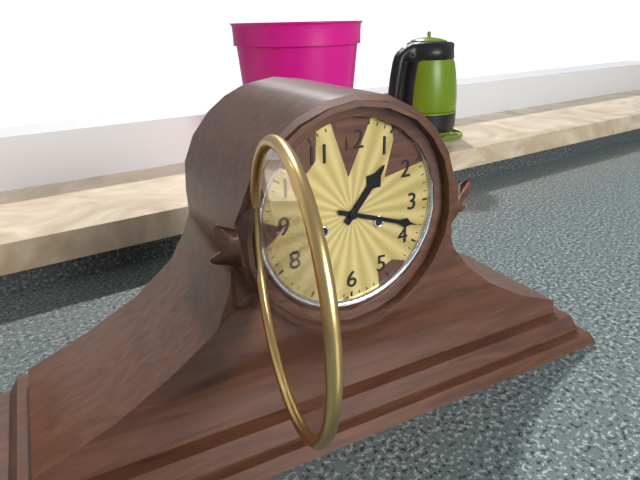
1:18
